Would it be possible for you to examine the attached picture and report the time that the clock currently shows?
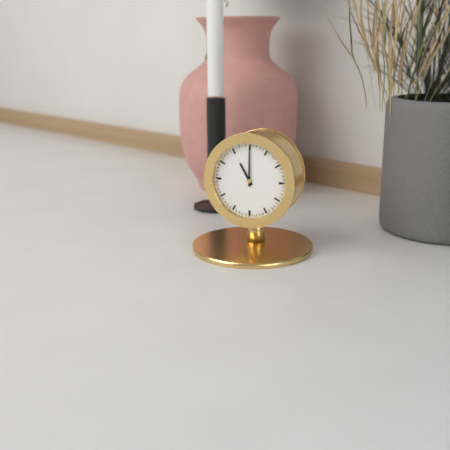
11:00
